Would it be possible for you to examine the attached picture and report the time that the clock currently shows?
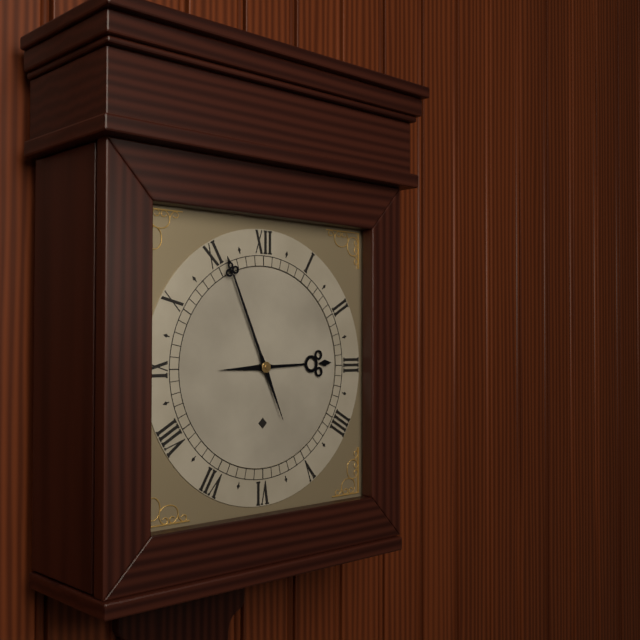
2:56
